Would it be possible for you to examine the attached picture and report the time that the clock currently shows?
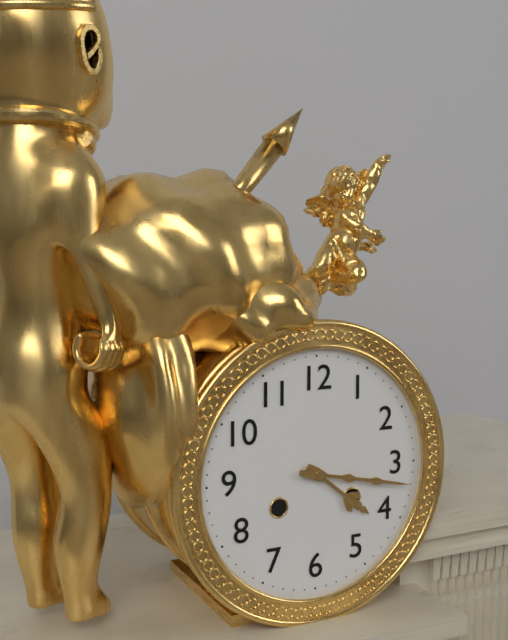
4:17
